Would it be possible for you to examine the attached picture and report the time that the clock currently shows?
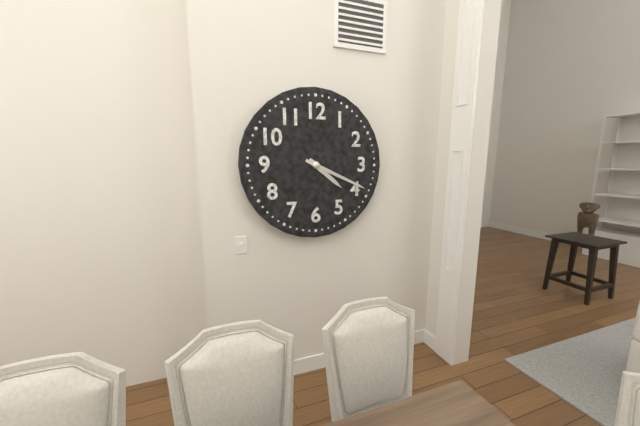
4:19
